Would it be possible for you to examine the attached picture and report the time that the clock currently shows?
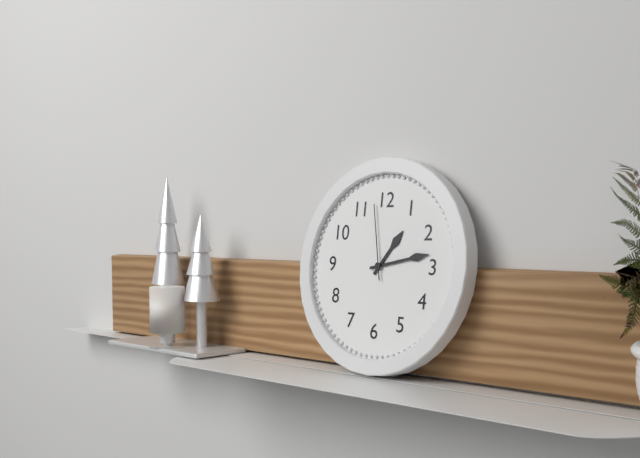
1:13:58
